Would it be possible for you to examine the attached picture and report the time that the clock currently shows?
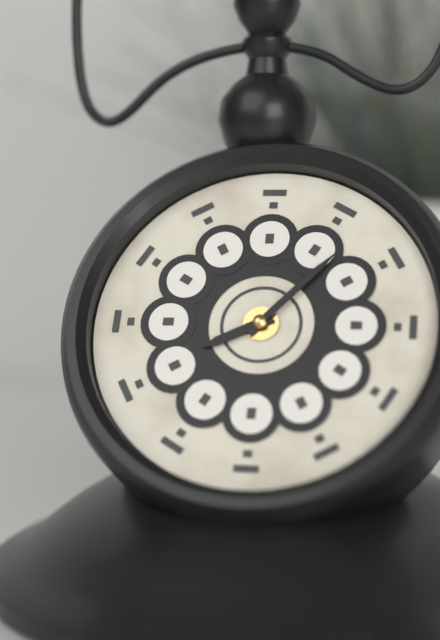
8:07
